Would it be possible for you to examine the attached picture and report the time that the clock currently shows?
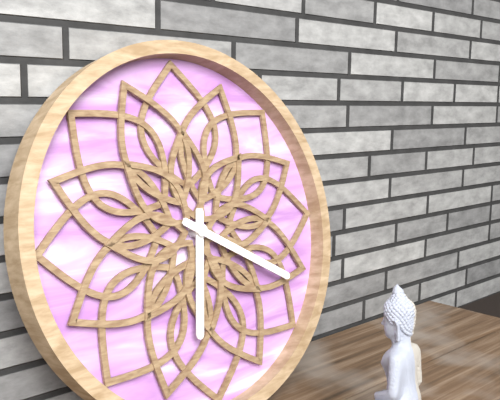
6:20
